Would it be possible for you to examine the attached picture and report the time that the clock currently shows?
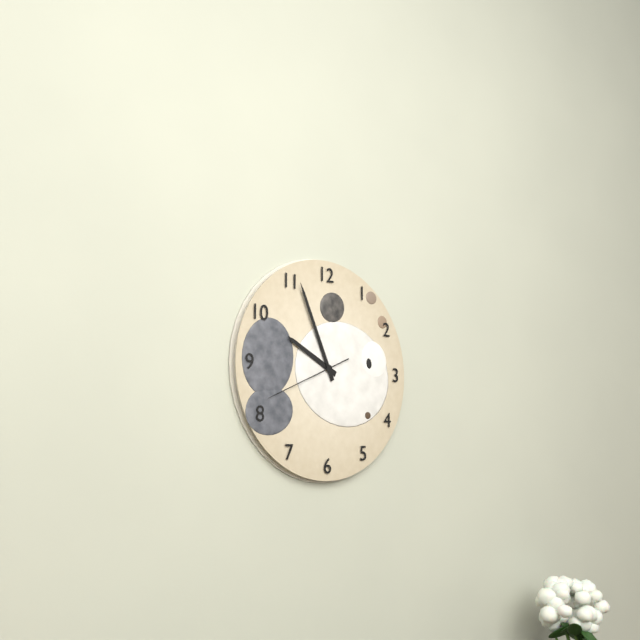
9:56:41
